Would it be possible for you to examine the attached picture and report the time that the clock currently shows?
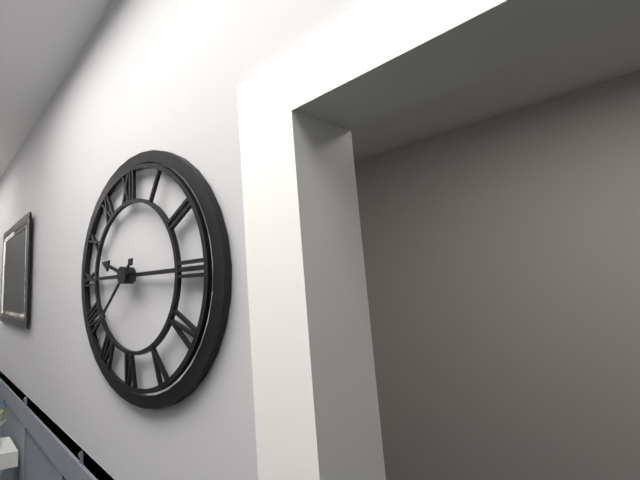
9:38
